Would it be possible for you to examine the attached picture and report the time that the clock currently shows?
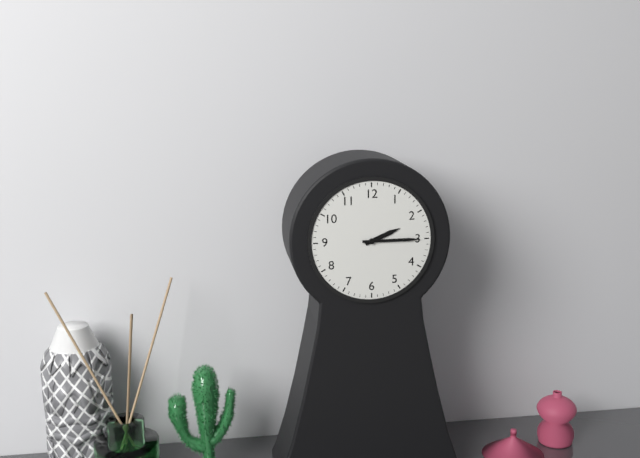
2:15
